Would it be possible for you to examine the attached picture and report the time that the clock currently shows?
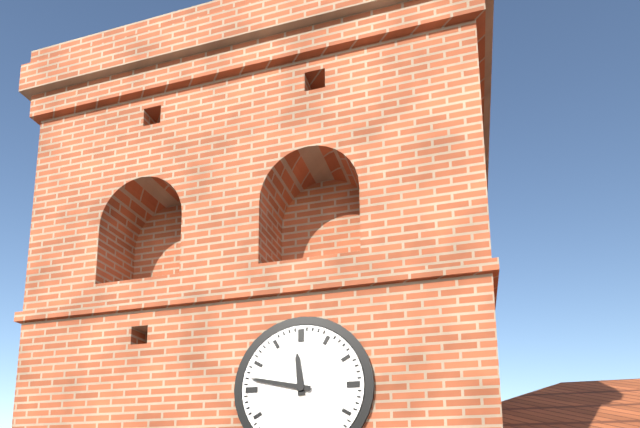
11:47
